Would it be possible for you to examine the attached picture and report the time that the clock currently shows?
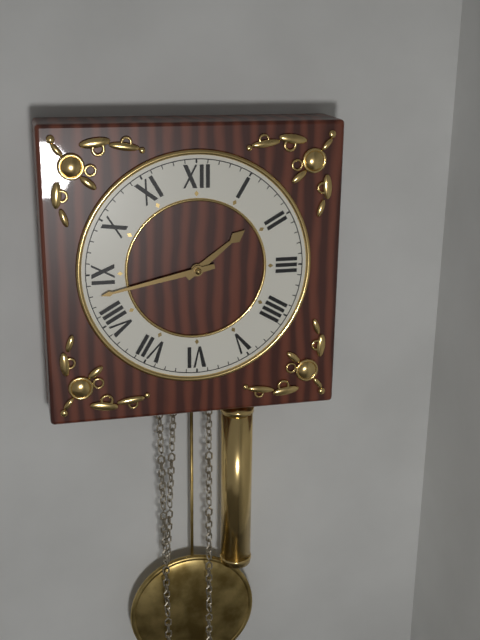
1:43
